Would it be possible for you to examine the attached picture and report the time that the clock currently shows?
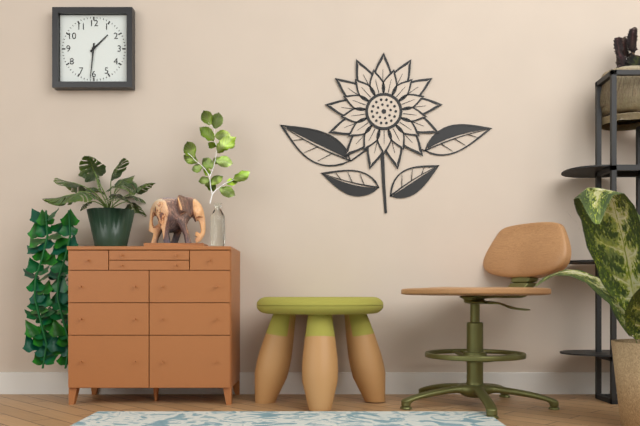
1:31
